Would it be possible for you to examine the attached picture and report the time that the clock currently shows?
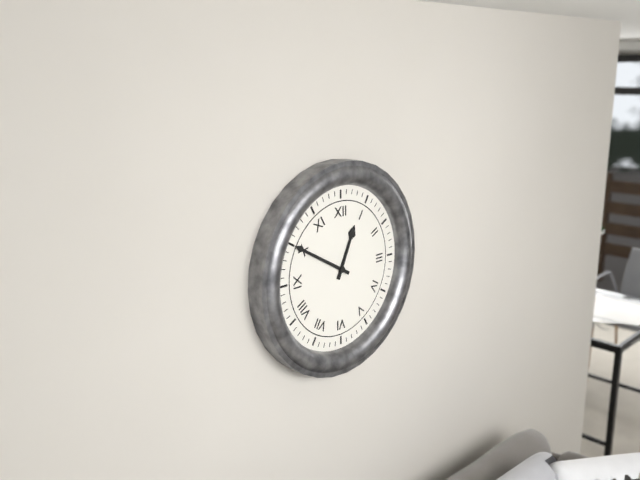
12:50
